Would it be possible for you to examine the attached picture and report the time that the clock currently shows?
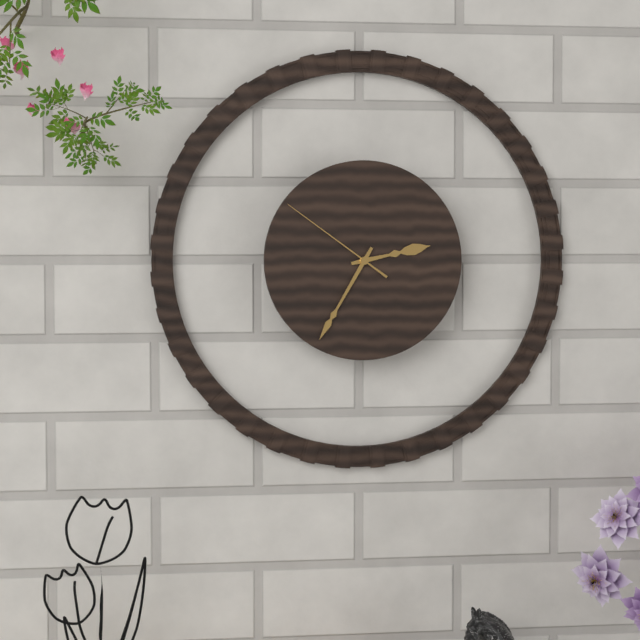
2:35:51
